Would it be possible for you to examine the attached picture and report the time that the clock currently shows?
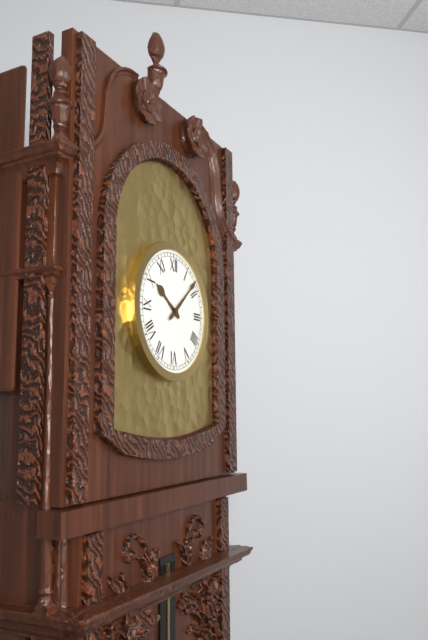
10:08
